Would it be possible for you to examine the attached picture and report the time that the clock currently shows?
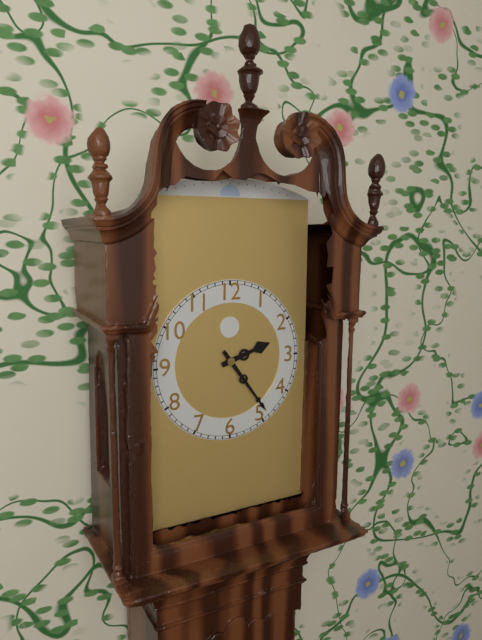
2:24
